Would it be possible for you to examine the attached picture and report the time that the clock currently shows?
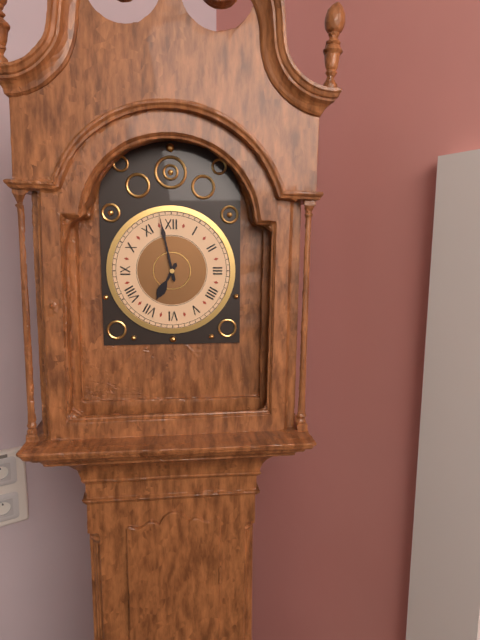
6:58
